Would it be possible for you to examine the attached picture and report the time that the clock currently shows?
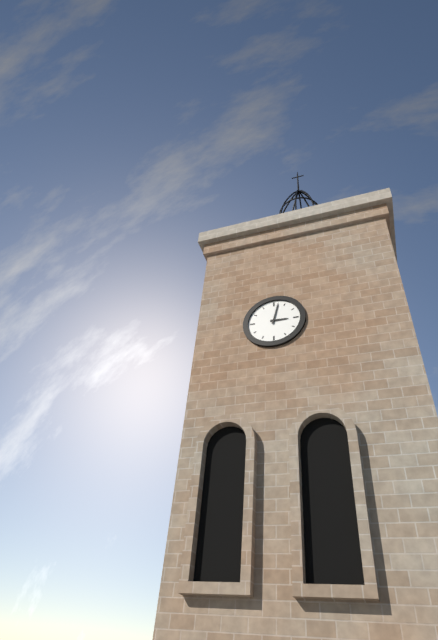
3:02
